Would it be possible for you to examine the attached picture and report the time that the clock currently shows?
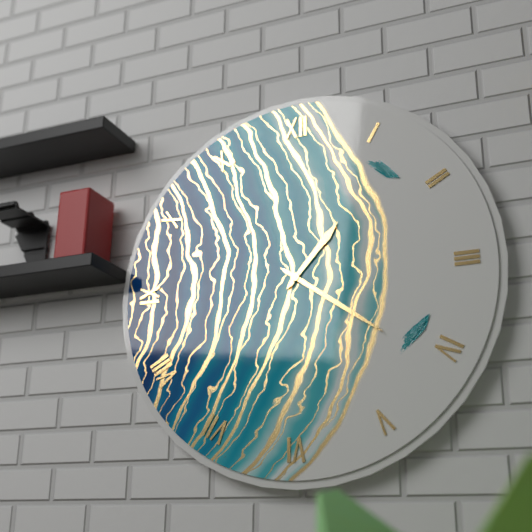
1:21
